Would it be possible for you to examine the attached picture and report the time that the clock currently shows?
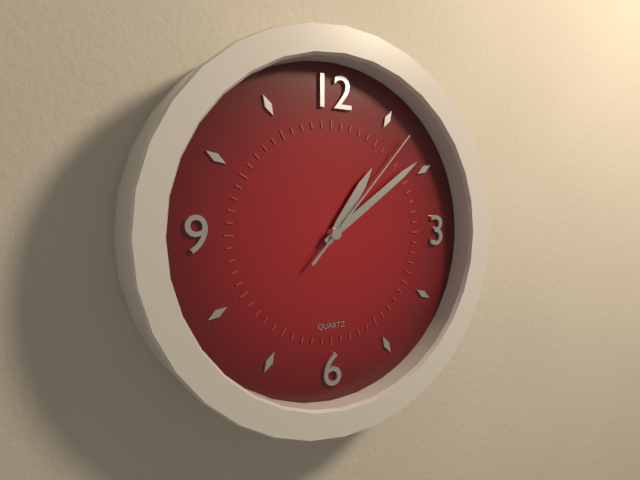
1:09:07
